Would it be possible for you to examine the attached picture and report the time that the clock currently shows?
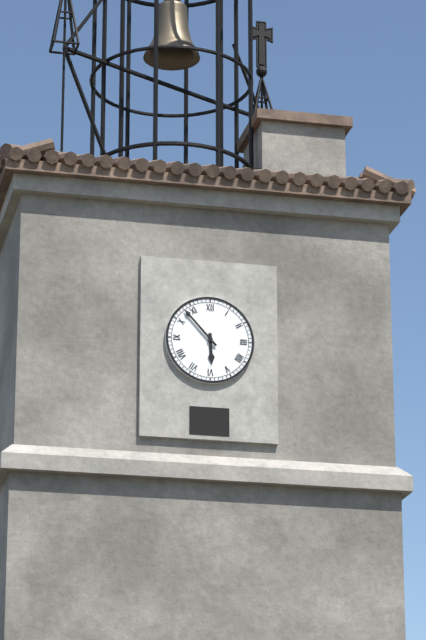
5:53
